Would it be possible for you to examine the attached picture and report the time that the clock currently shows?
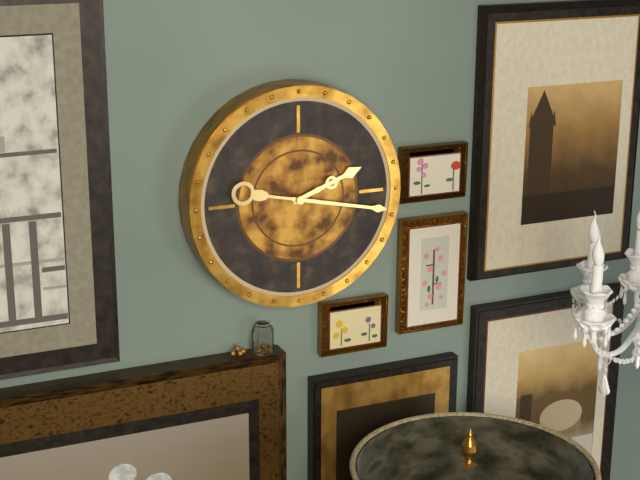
2:17
